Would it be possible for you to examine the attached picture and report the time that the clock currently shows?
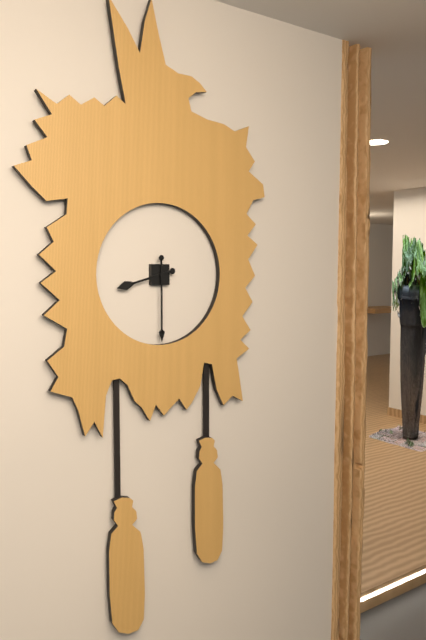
8:30
